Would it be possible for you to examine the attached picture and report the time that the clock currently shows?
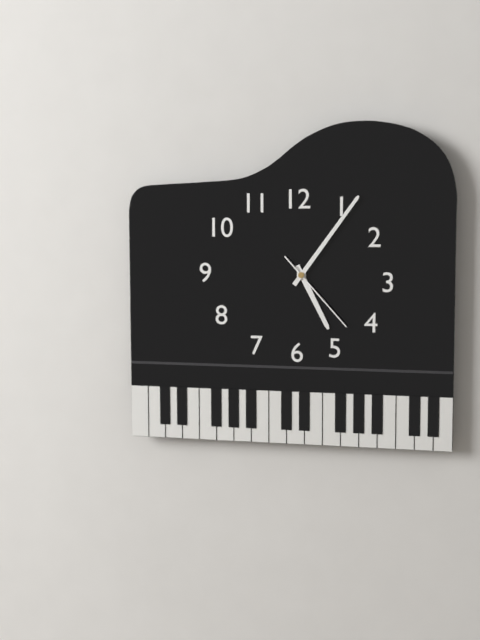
5:06:23
